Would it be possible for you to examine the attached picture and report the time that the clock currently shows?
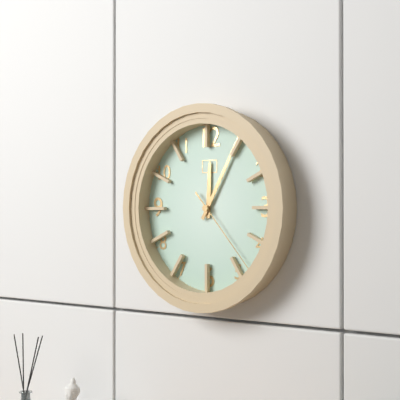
12:05:23
